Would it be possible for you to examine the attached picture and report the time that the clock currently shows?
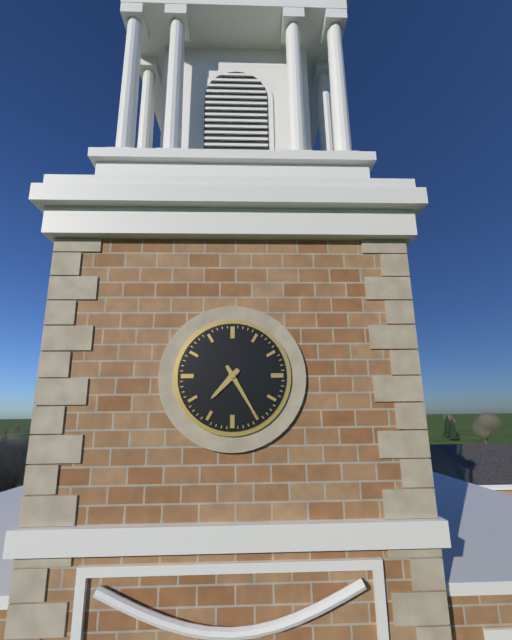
7:25
